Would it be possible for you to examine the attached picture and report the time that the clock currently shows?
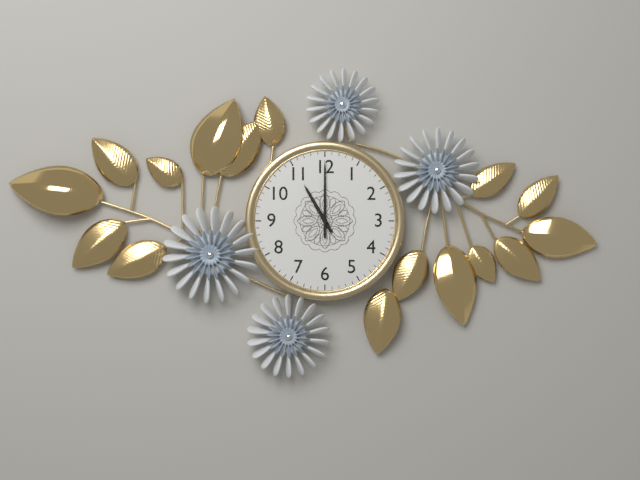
11:00
